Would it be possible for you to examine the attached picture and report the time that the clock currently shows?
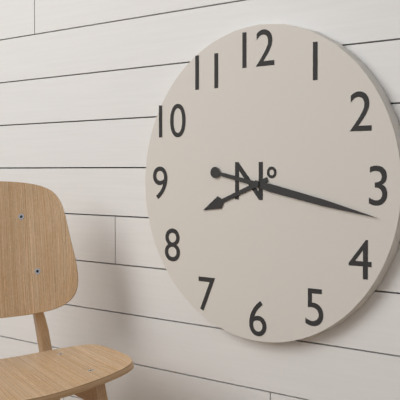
8:17
